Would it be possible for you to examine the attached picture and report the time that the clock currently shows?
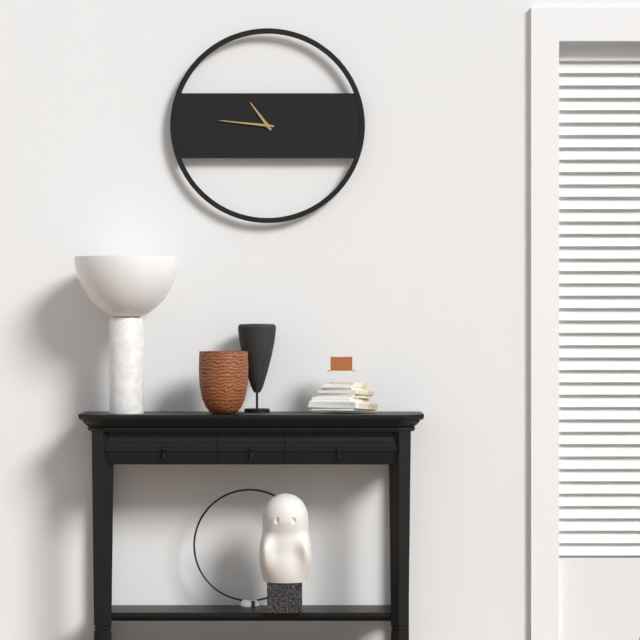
10:46
